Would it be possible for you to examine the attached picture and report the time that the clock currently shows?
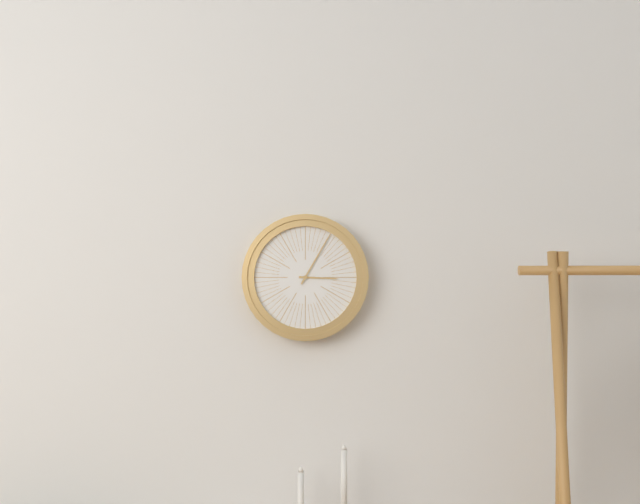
3:05
